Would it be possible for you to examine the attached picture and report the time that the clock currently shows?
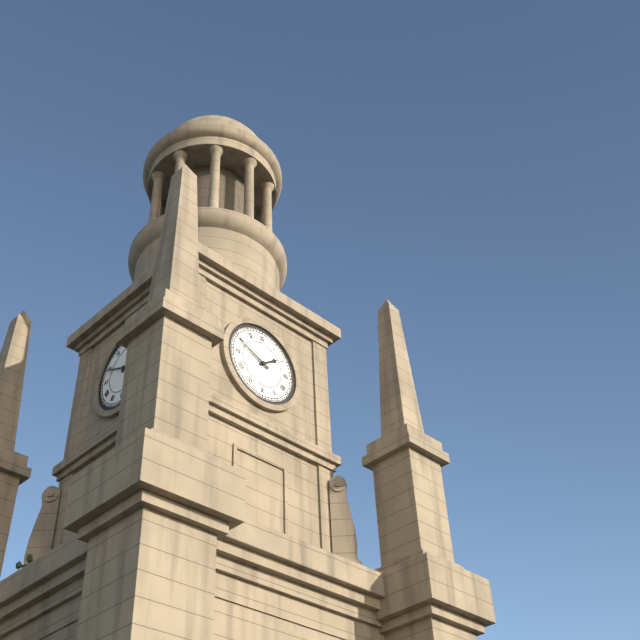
1:49
